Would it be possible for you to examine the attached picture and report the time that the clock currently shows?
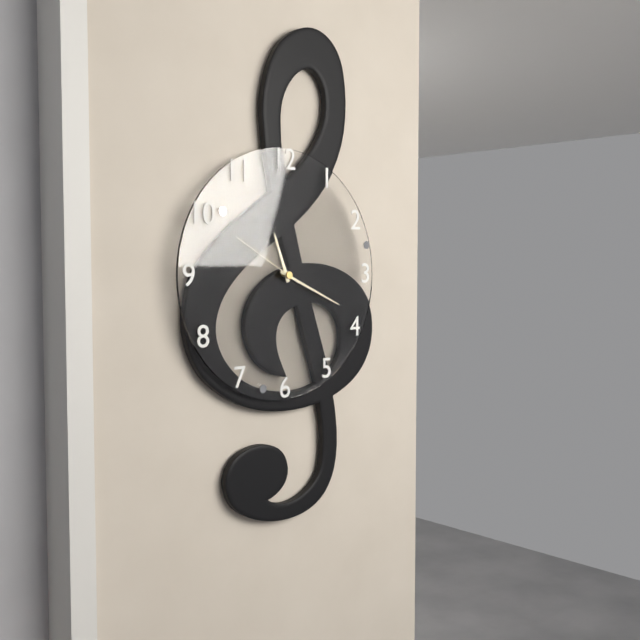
11:19:50
